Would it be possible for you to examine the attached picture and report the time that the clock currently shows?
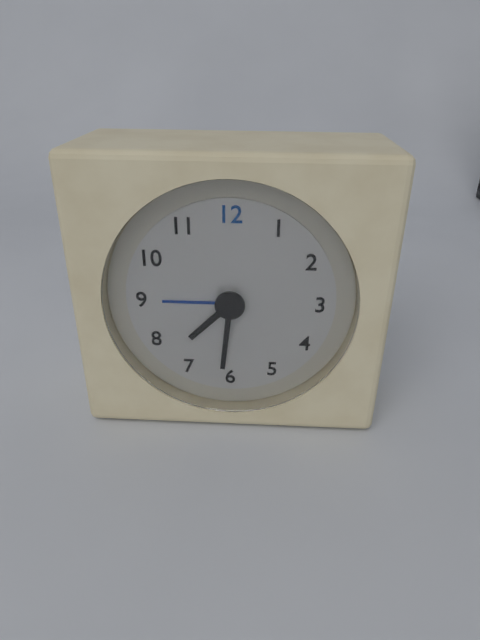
7:31
